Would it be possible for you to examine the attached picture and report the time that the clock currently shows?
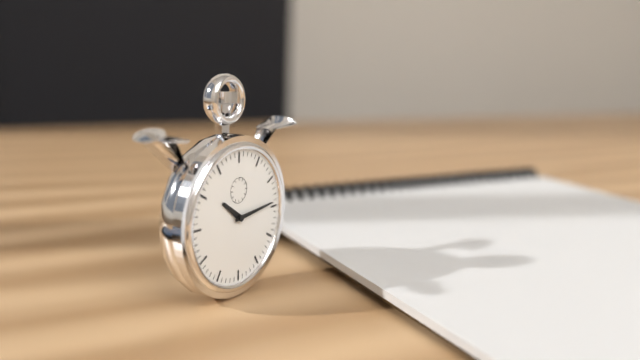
10:14
